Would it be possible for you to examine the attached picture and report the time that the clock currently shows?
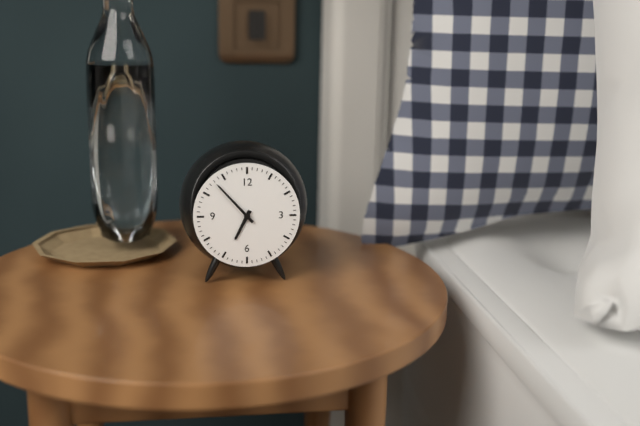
6:53
